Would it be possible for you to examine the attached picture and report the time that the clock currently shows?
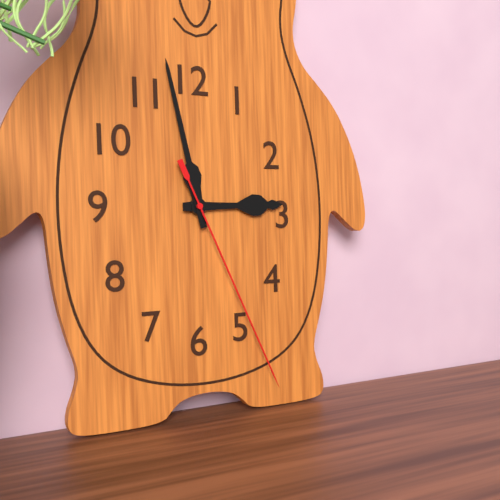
2:58:26
